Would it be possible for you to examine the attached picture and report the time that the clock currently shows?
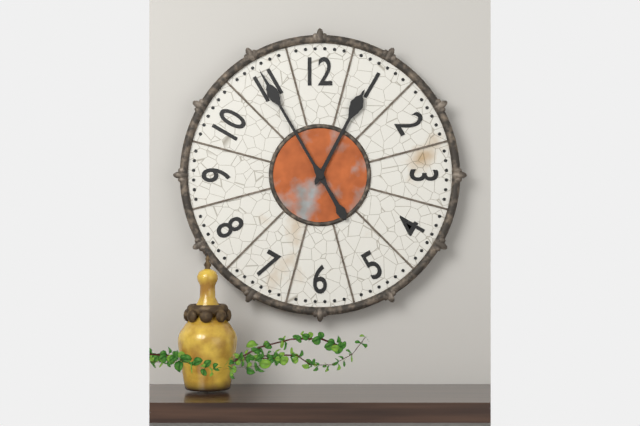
12:55
